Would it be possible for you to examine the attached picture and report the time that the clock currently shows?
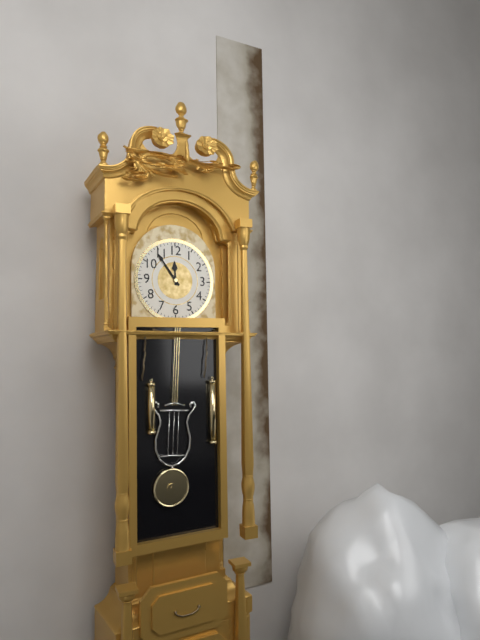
11:54
